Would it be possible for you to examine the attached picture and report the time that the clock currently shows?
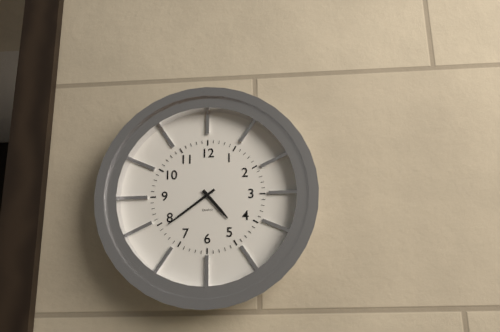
4:39
